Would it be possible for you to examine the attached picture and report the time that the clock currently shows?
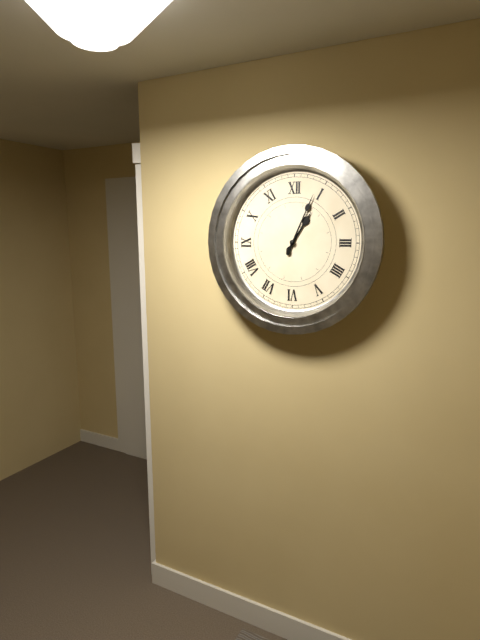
1:04
